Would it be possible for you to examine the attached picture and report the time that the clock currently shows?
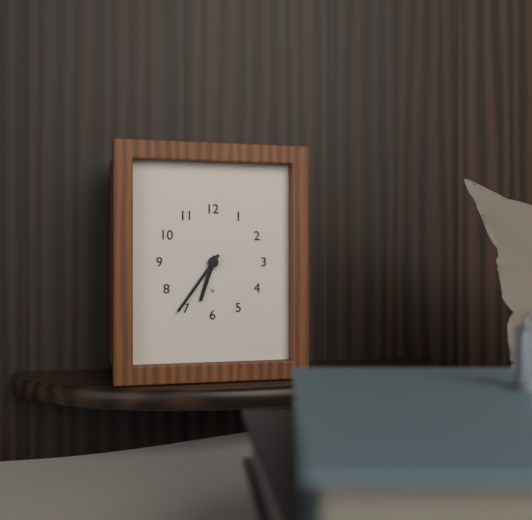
6:36
